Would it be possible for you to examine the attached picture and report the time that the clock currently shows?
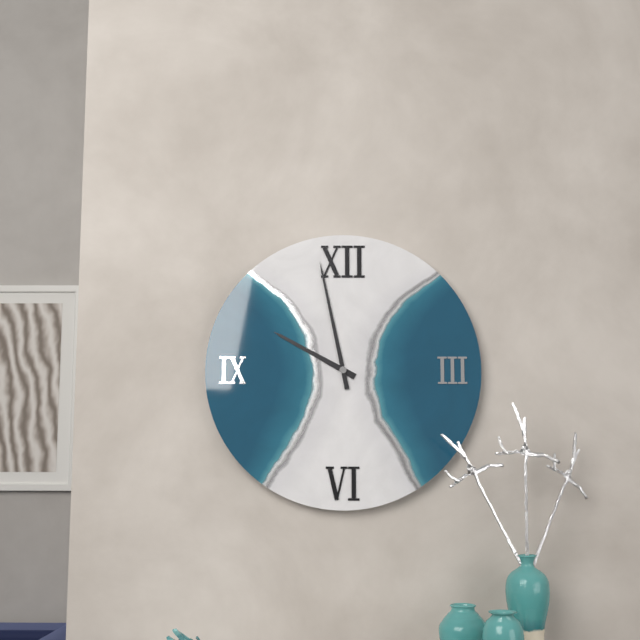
9:58
